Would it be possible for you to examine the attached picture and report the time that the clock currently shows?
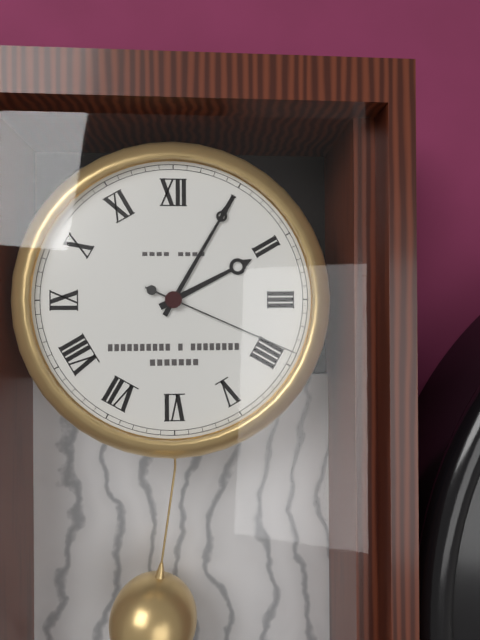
2:05:19
